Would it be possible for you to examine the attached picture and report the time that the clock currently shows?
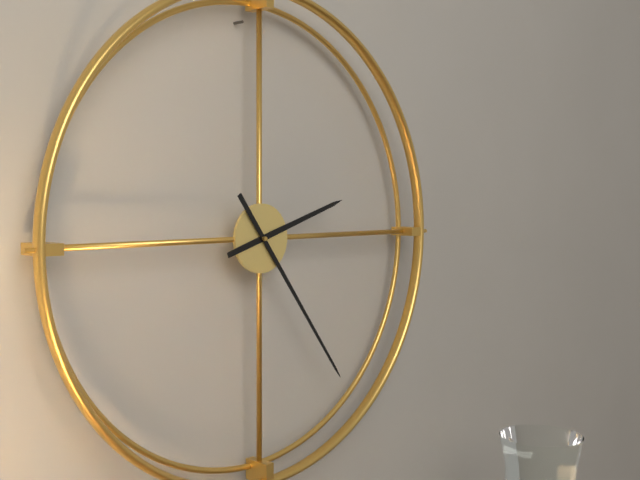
2:24
